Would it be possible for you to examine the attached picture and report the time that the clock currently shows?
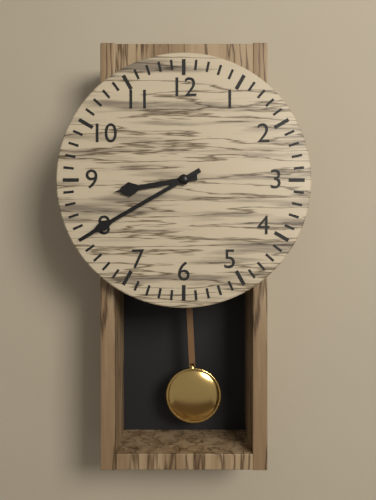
8:40
